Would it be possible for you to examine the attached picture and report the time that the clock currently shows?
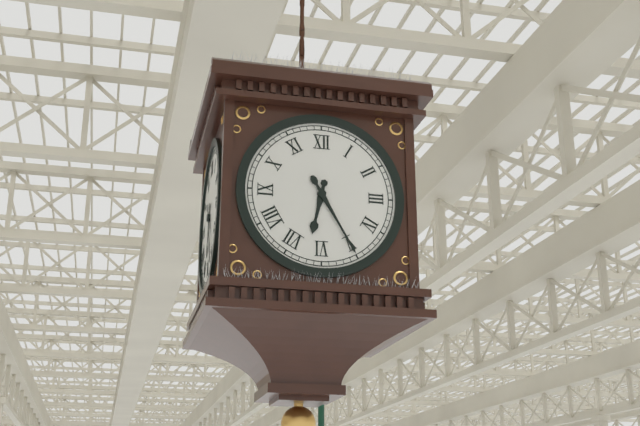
6:25
